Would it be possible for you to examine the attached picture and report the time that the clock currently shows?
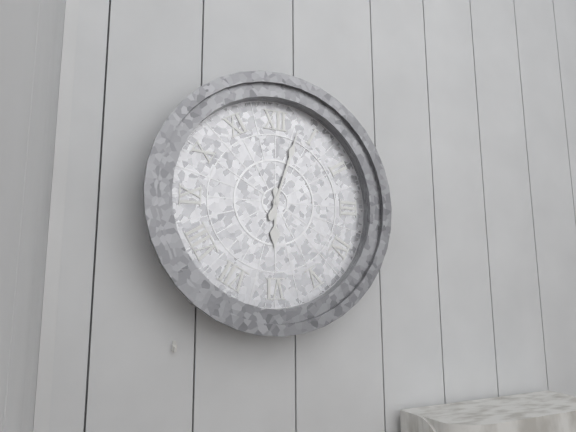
6:03
